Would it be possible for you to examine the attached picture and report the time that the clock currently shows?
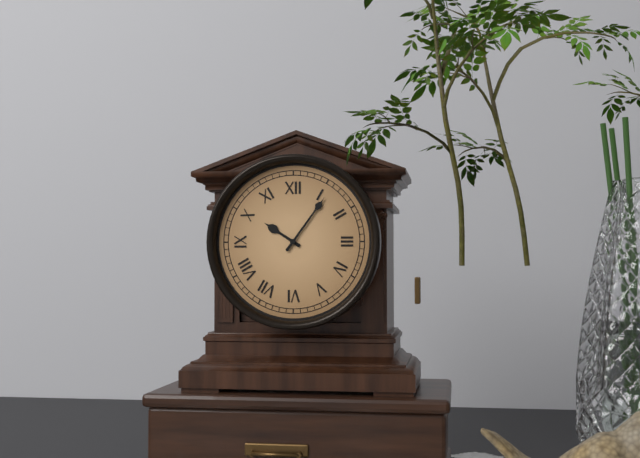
10:06
